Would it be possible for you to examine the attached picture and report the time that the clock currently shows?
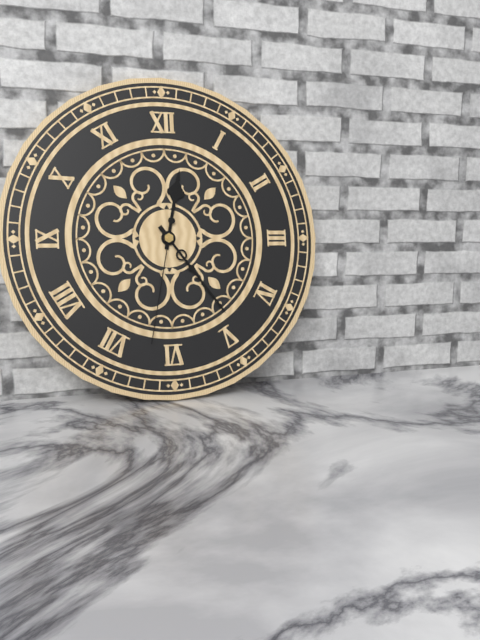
12:24:32
